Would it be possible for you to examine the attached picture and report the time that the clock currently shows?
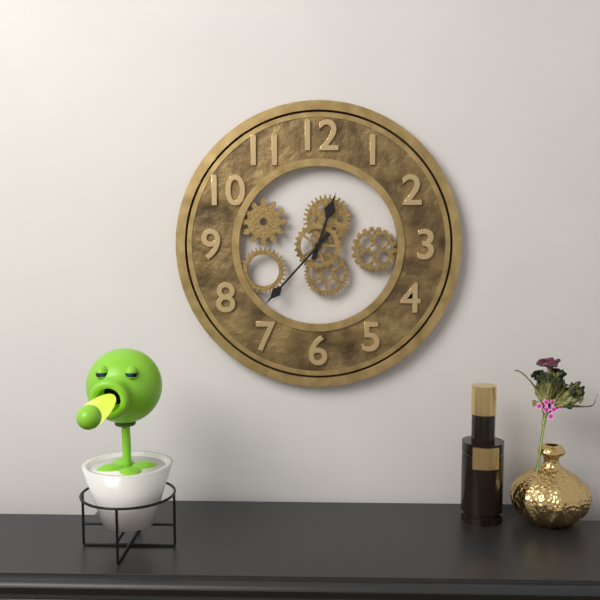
12:37
